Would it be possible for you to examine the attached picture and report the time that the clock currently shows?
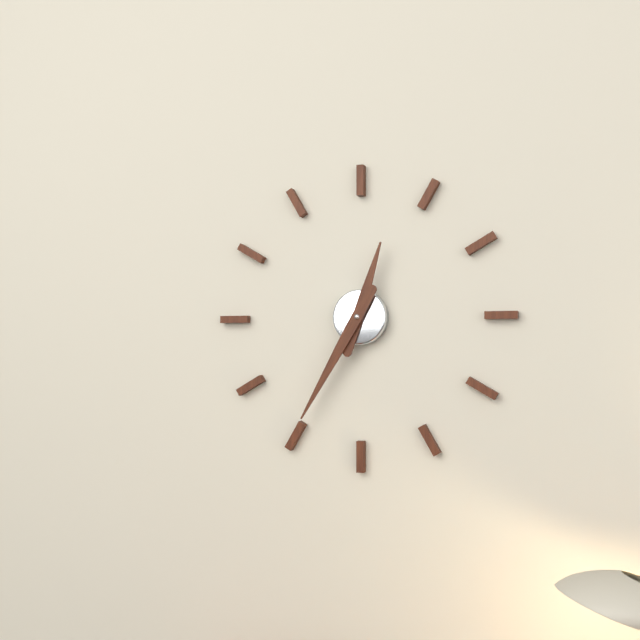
12:35
